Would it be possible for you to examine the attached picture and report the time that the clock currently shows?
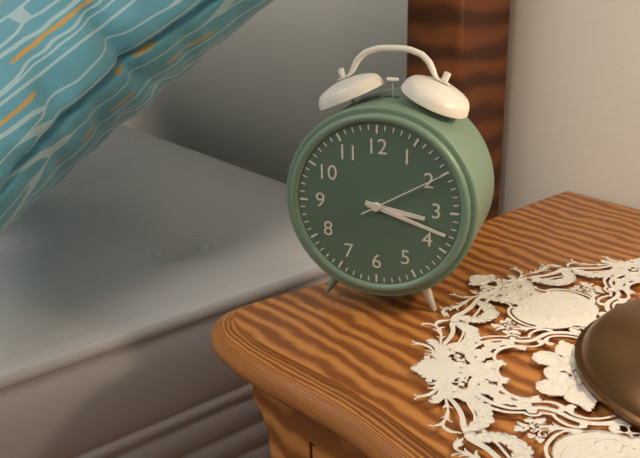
3:18:10
